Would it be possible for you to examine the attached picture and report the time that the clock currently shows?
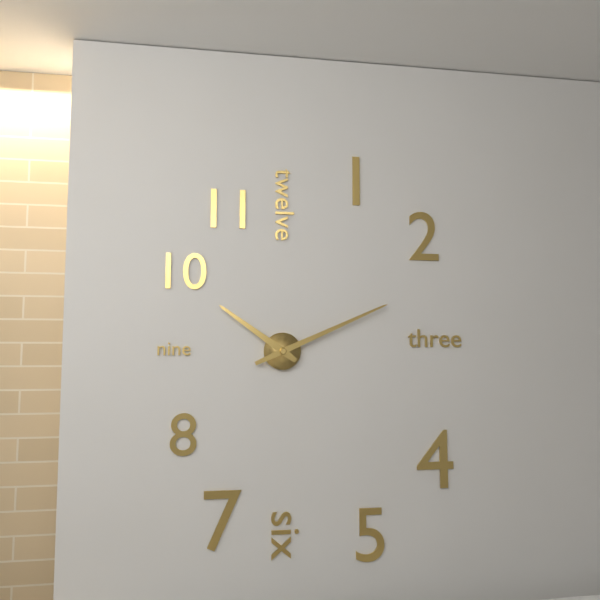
10:11
